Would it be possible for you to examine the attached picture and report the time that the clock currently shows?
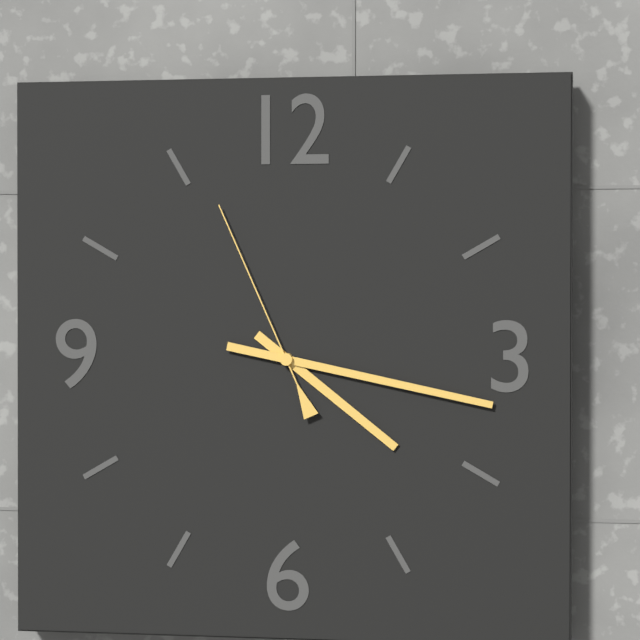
4:17:56
